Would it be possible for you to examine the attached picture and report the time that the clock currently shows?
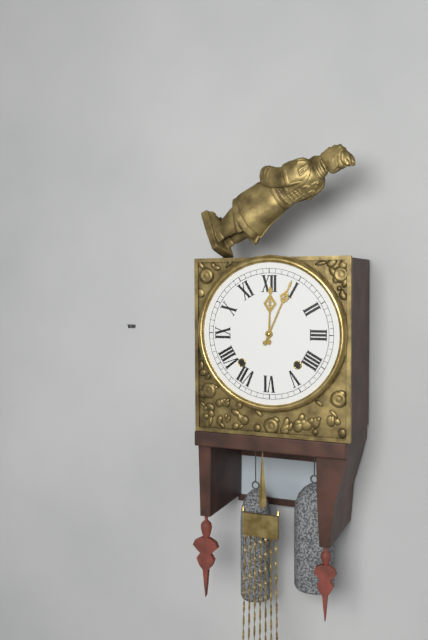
12:04
